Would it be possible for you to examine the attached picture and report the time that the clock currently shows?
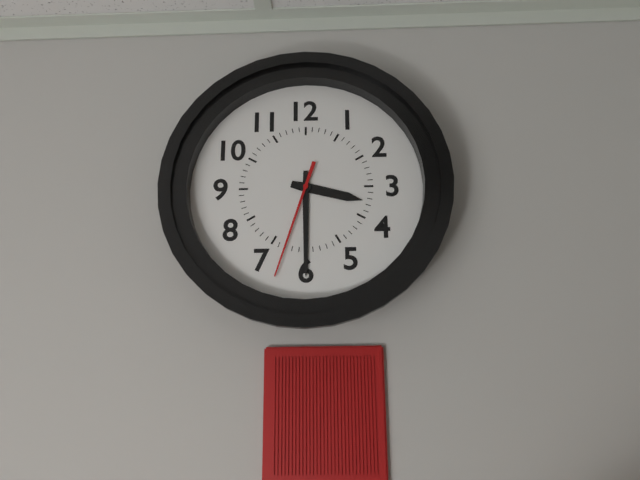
3:30:33
